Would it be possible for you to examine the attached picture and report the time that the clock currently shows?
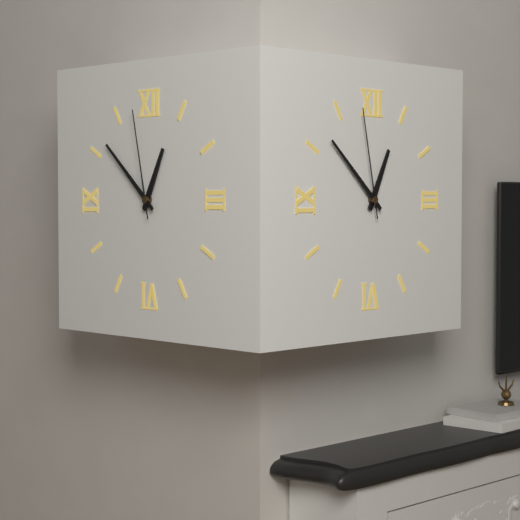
12:52:58
